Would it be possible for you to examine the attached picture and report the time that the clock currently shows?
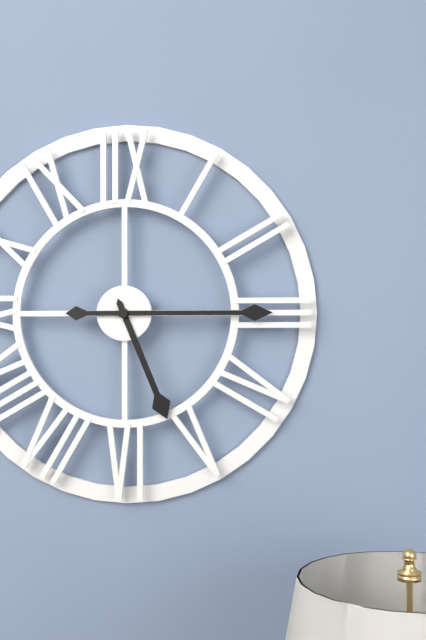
5:15
